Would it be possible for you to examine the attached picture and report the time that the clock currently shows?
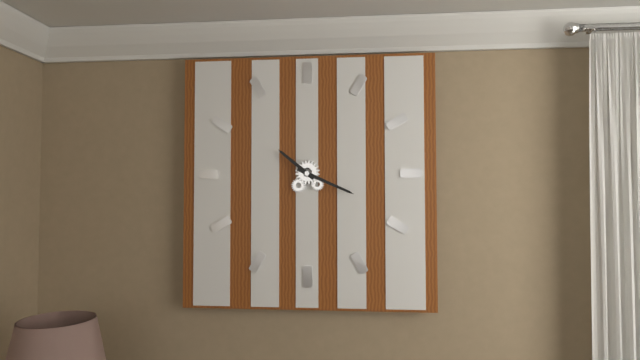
10:19
